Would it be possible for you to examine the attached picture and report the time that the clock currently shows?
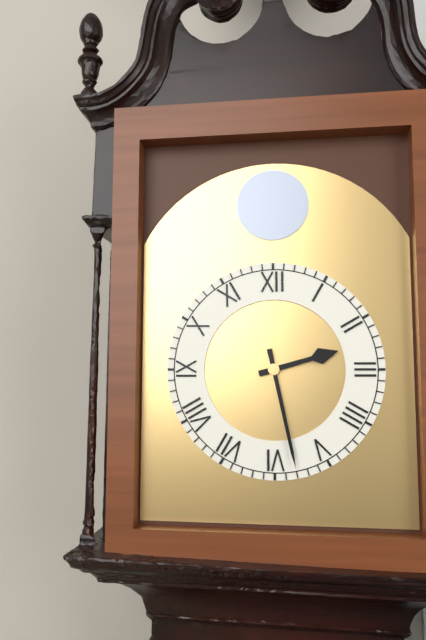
2:28
